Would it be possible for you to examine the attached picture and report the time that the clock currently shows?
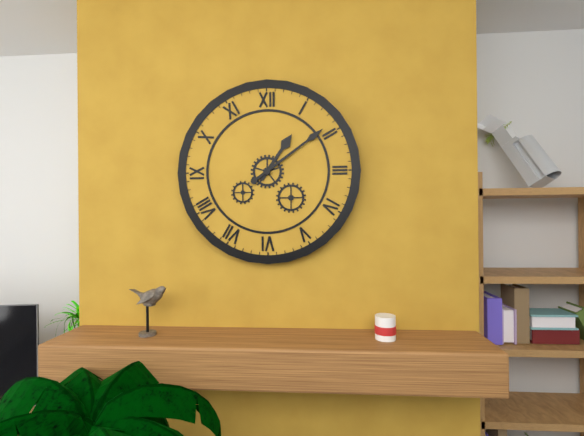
1:09
